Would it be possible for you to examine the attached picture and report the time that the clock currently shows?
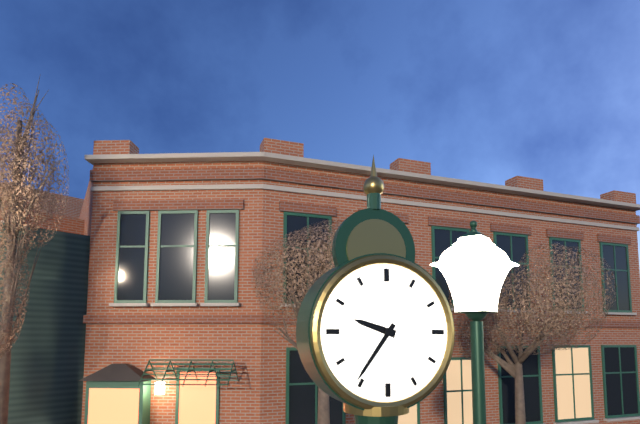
9:36
